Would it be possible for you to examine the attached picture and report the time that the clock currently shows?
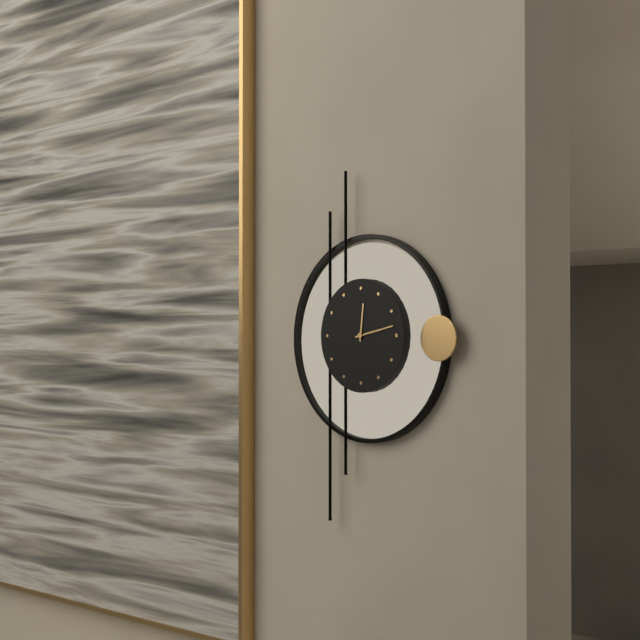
12:13
